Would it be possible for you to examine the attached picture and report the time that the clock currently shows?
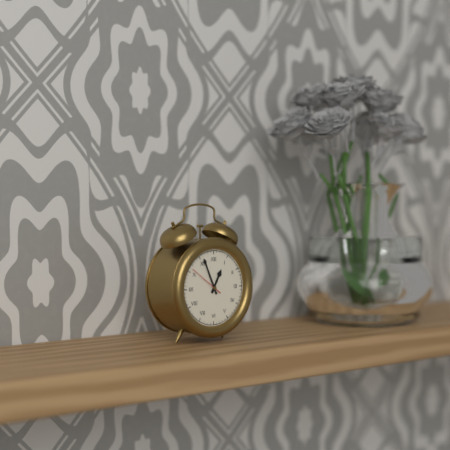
12:56
